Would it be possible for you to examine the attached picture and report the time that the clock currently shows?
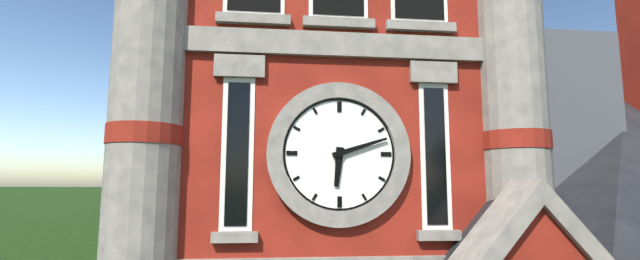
6:12
